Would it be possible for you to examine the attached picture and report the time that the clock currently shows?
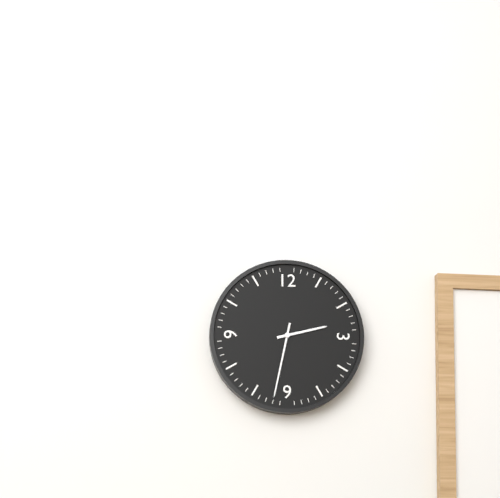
2:32
